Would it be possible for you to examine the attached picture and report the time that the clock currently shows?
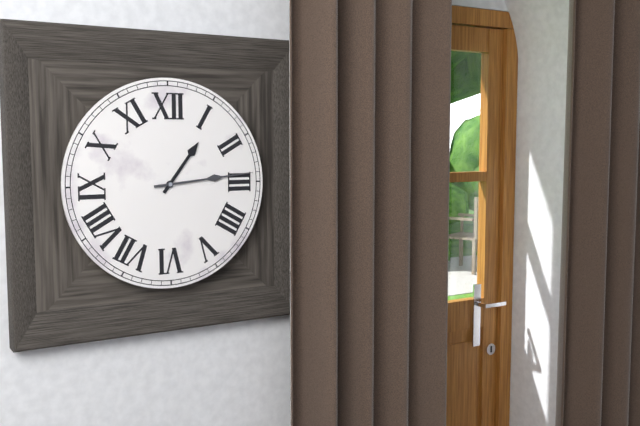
1:14
